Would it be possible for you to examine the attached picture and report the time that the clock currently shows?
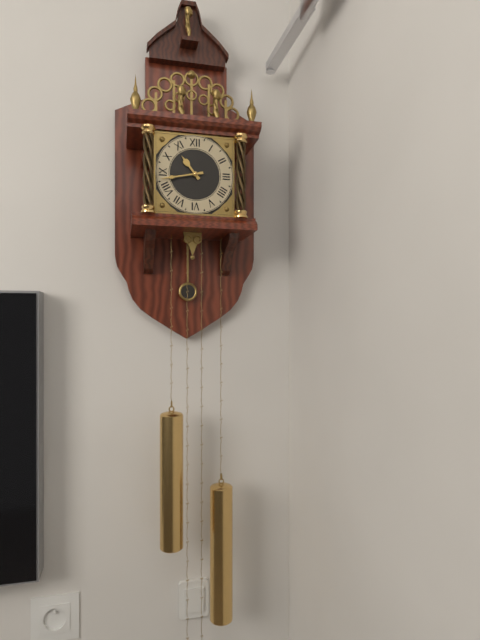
10:43
